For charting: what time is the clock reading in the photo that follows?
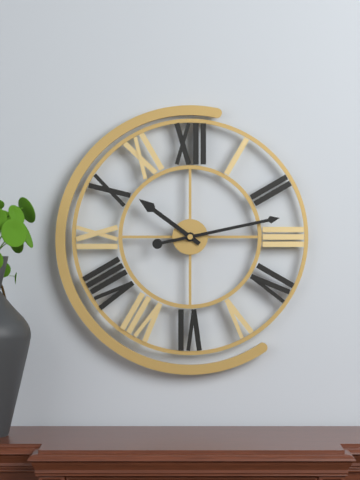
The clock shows 10:13
